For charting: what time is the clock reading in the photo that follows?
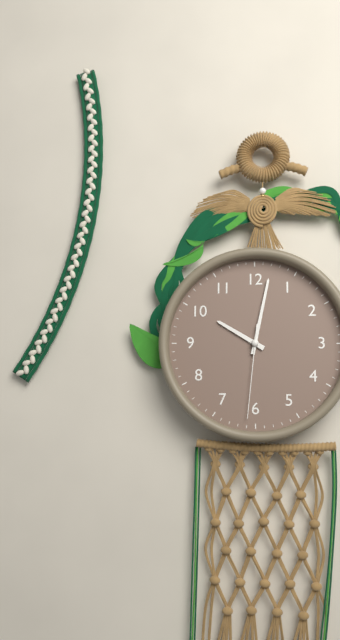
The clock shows 10:02:31
